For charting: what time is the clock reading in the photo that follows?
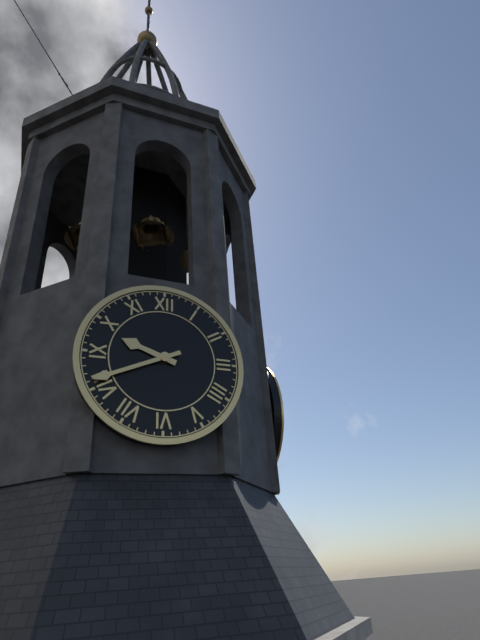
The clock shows 9:41
